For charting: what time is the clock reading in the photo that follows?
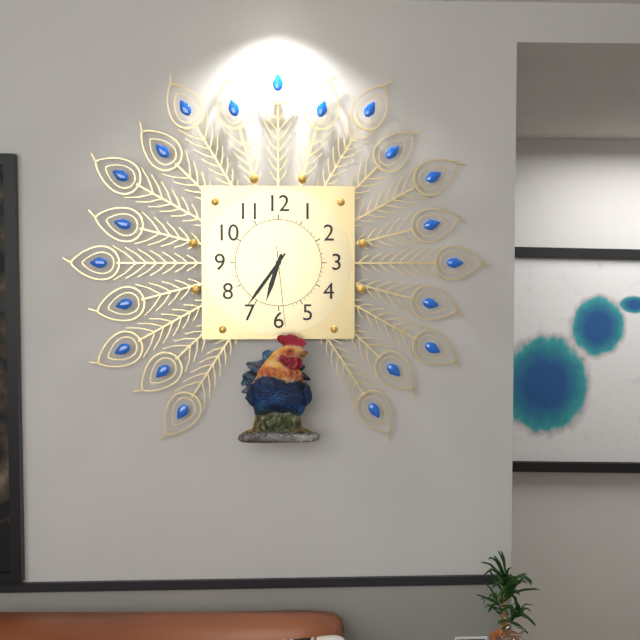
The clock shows 6:36:29
